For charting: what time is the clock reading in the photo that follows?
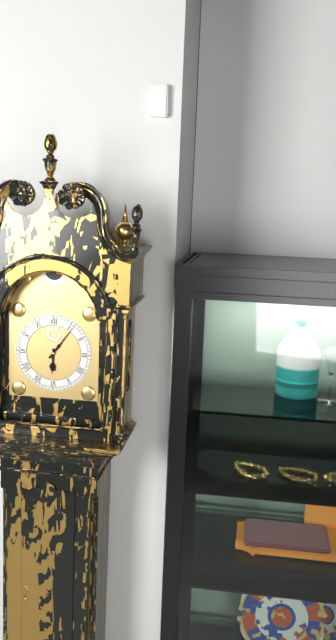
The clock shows 6:06
